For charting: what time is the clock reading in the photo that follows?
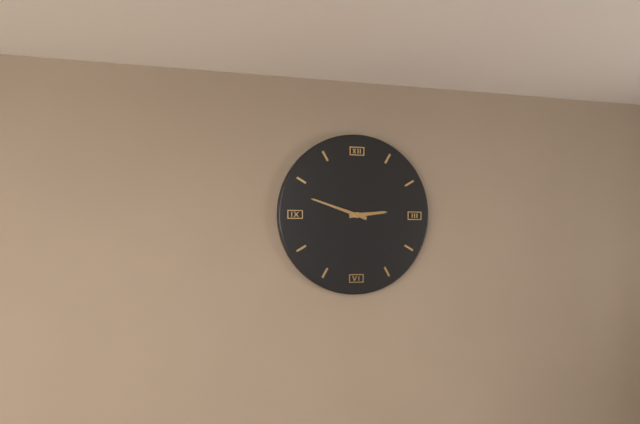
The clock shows 2:48
